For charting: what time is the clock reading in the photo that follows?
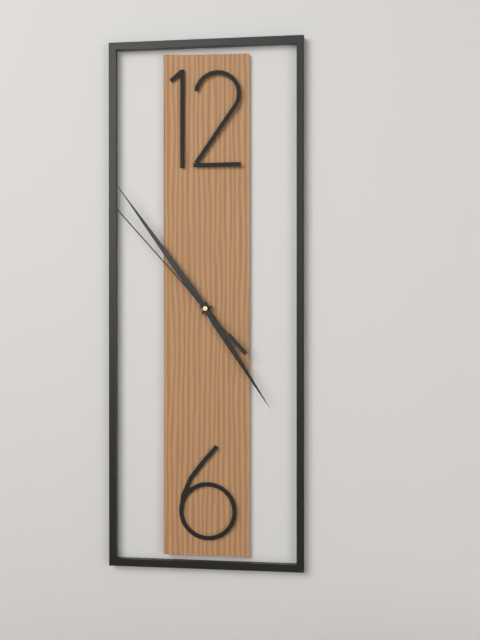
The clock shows 4:54:53
